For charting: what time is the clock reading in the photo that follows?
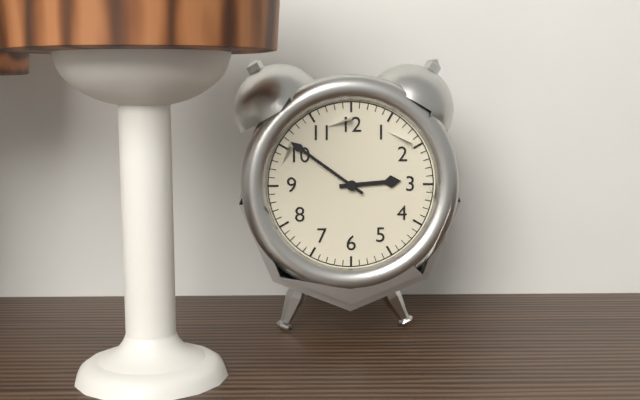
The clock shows 2:51
